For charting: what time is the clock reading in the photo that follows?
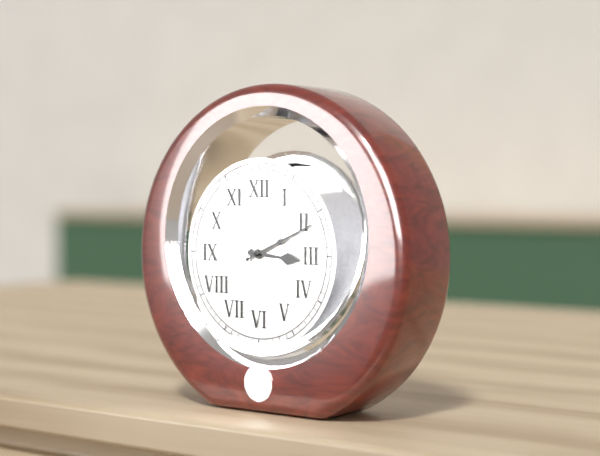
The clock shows 3:11
